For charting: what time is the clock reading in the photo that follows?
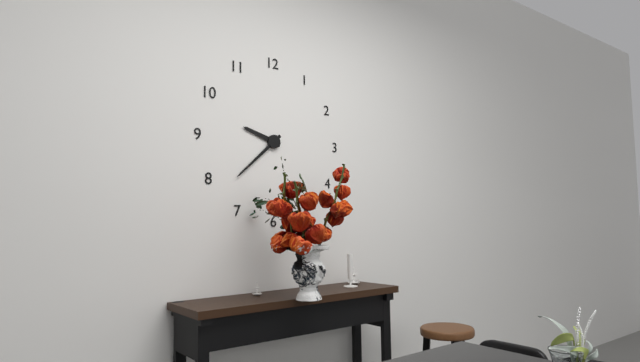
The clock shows 9:38
